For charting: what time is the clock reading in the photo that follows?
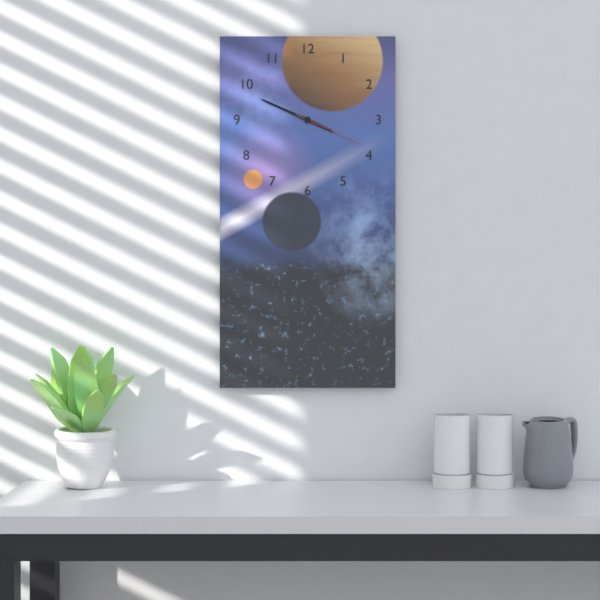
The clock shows 3:49:19
